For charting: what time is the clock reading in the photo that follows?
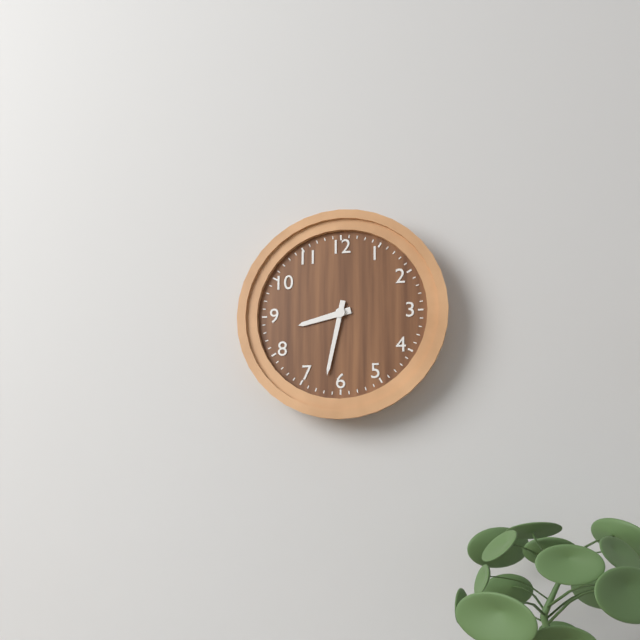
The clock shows 8:32
